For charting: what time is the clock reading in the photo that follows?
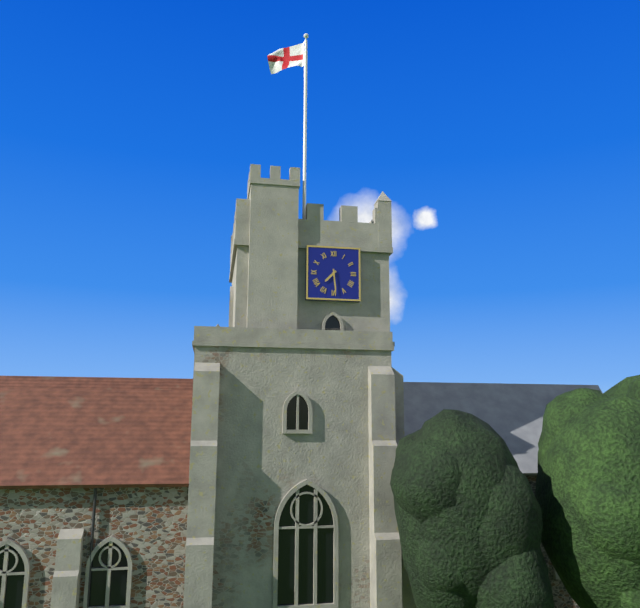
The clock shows 7:29
